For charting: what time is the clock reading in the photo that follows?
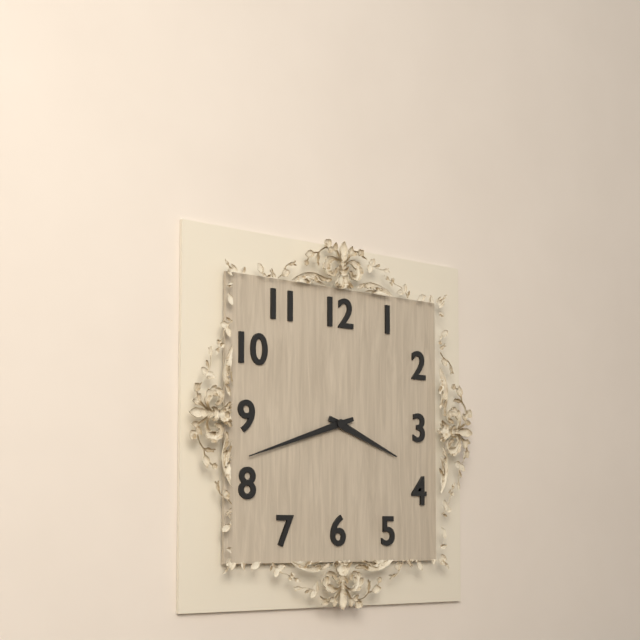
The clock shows 3:42
